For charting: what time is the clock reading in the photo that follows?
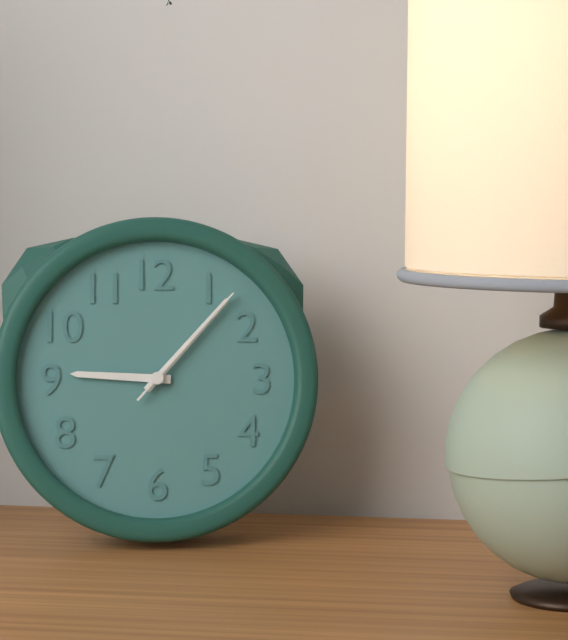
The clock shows 9:07:07
